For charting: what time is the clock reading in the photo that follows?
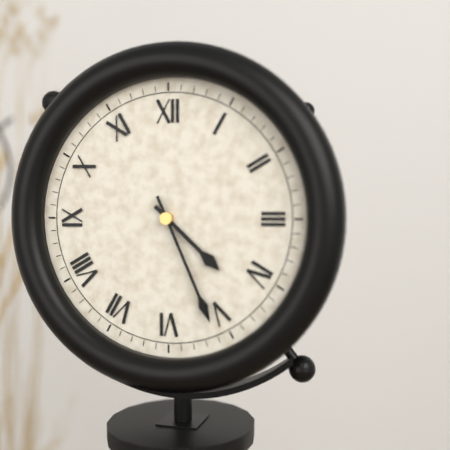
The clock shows 4:26
